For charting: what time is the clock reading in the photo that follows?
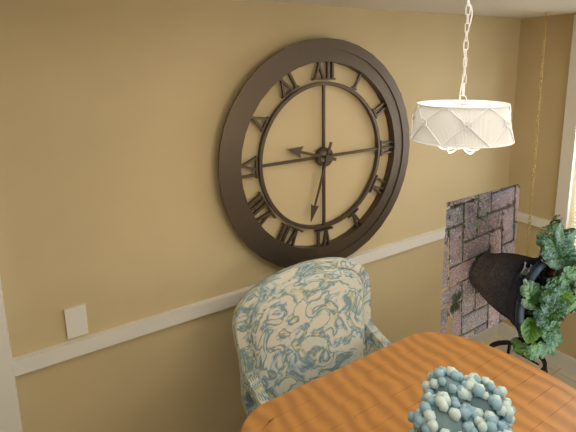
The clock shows 9:33
